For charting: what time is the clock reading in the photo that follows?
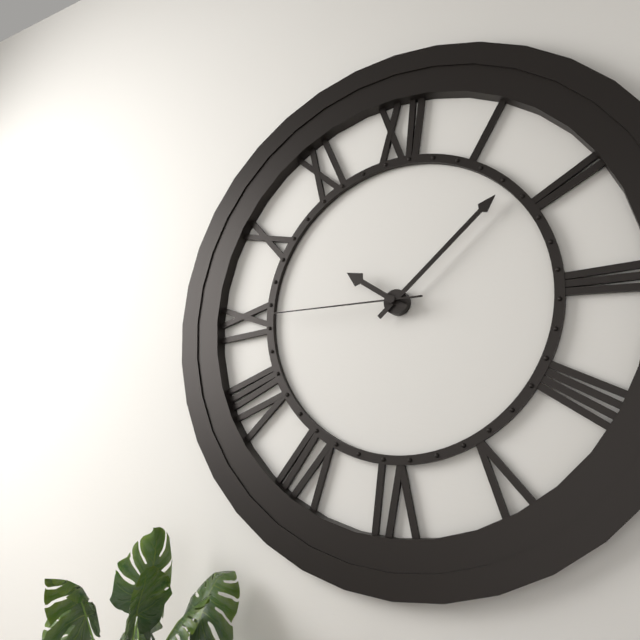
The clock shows 10:08:45
